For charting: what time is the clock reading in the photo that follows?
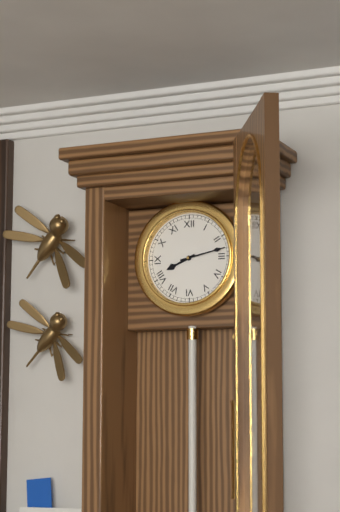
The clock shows 8:13
